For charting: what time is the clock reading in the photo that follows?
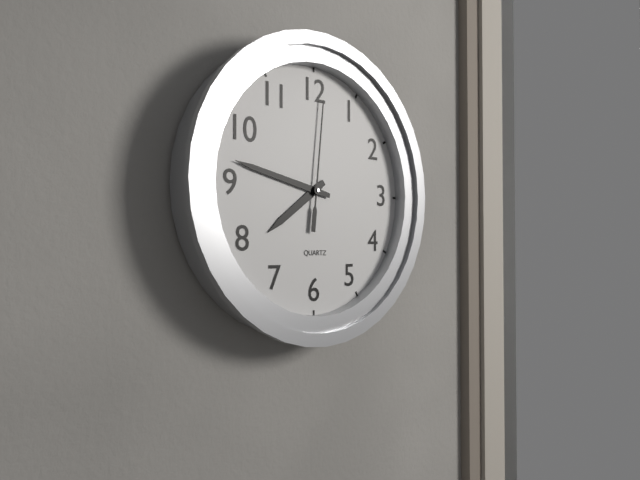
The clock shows 7:47:01
